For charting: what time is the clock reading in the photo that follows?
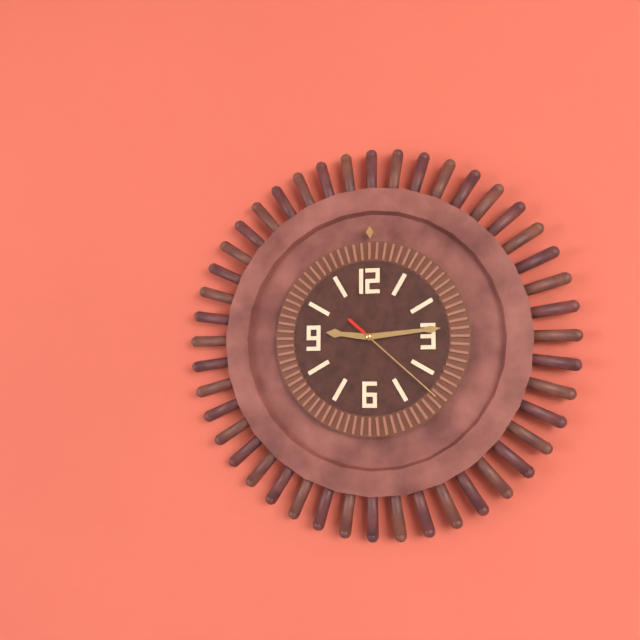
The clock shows 9:14:22
